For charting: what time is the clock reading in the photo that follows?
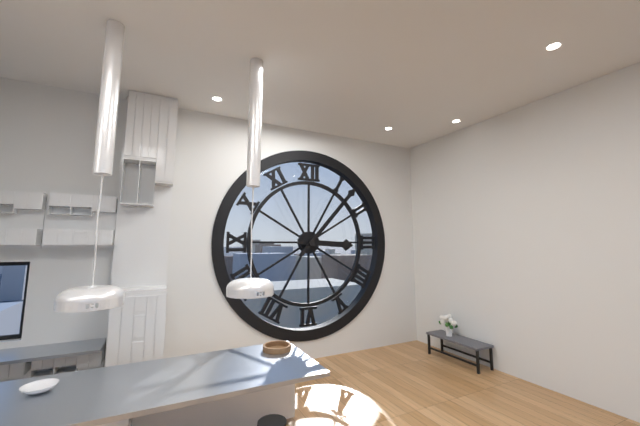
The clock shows 3:07
